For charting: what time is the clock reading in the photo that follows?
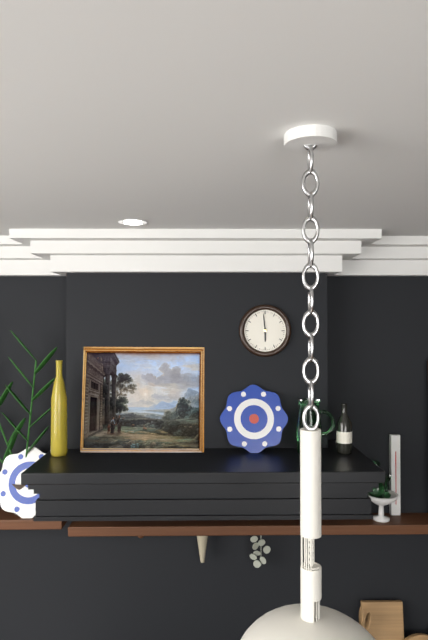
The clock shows 5:59
